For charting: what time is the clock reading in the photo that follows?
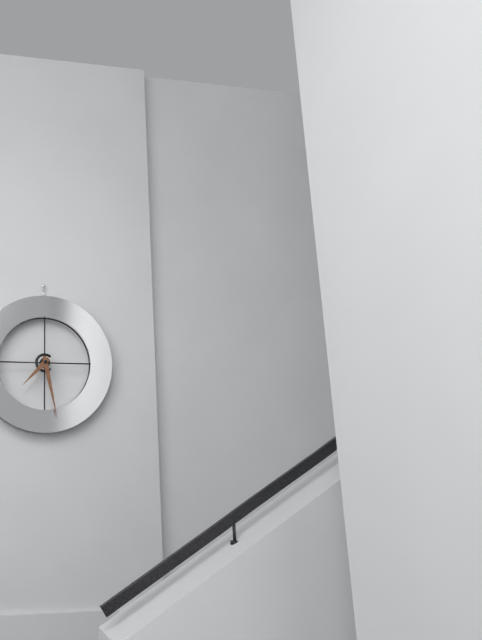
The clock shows 7:28
